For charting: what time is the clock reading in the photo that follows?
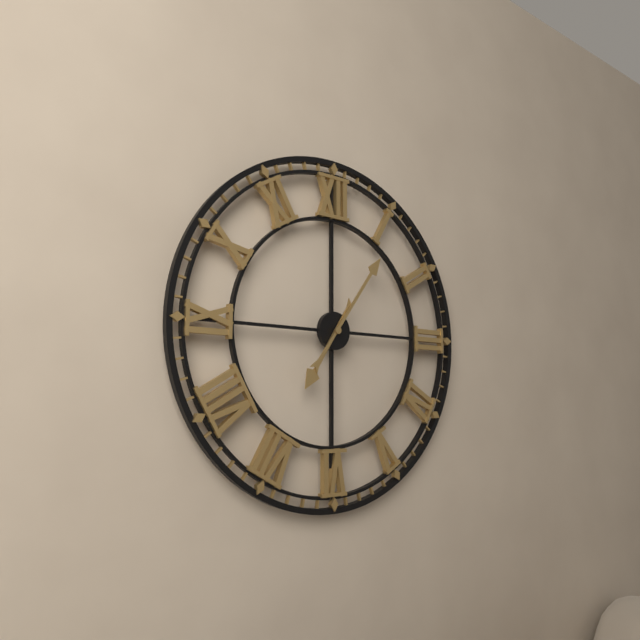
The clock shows 7:06
